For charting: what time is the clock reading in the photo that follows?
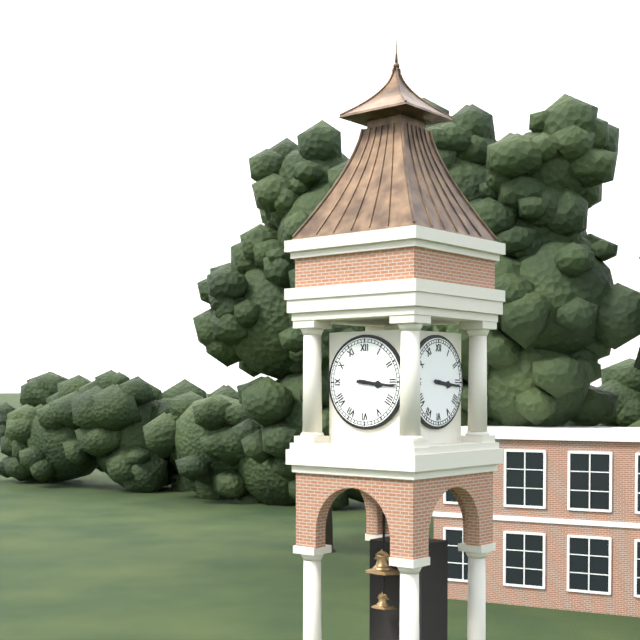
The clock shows 3:16
